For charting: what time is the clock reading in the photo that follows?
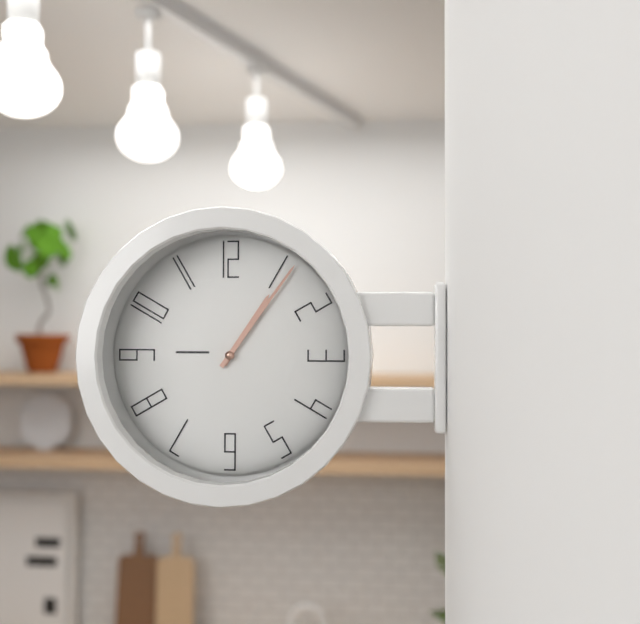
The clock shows 1:06
